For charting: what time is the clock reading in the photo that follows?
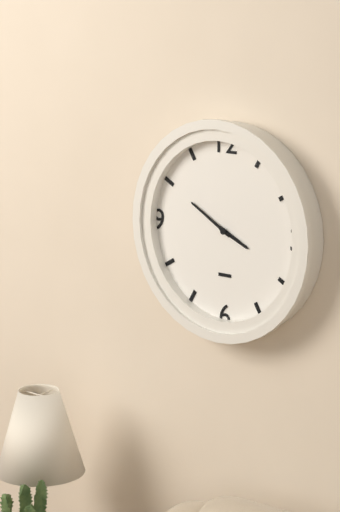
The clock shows 3:50
